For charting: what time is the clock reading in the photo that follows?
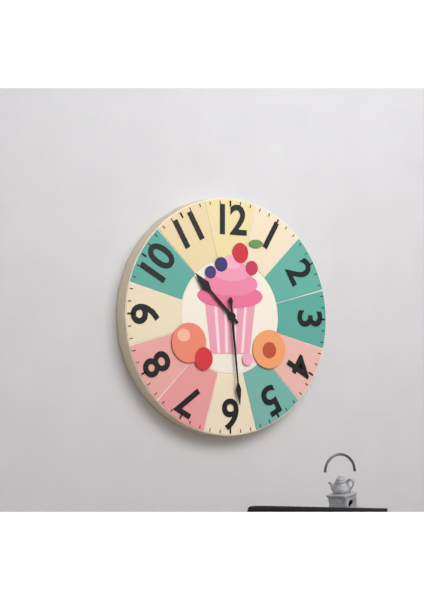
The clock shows 10:29
